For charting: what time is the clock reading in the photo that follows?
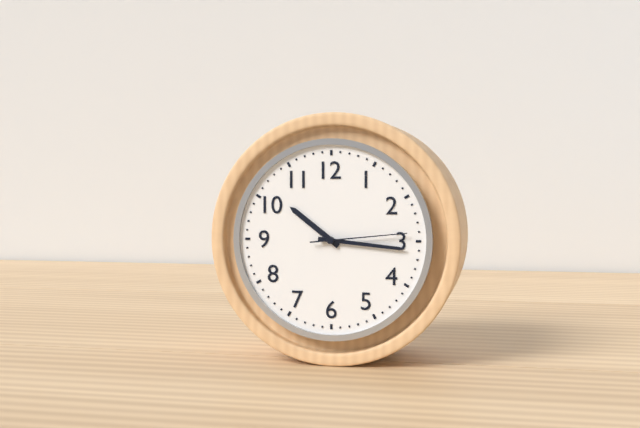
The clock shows 10:16:14
